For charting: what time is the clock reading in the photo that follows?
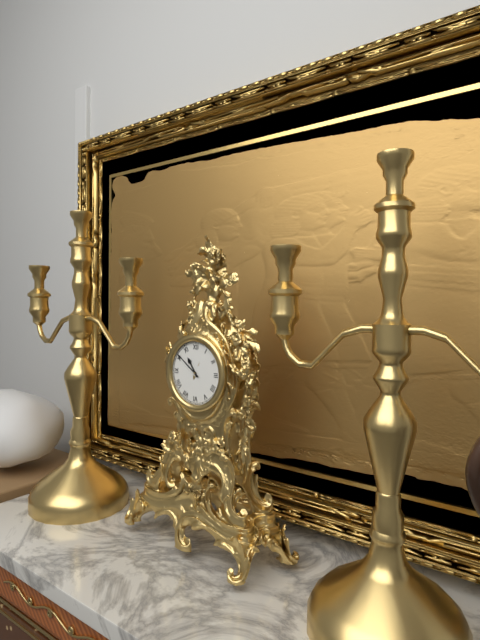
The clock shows 10:51
